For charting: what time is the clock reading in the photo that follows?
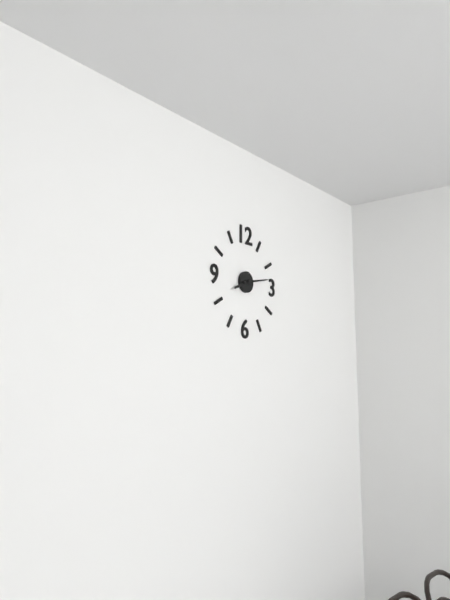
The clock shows 8:13
